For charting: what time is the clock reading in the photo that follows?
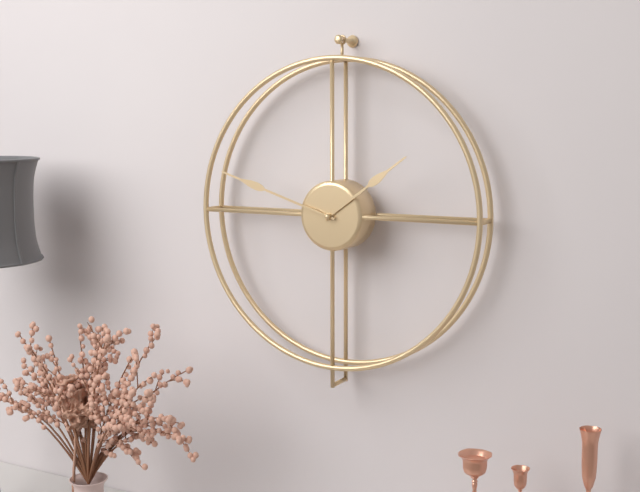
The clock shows 1:48
